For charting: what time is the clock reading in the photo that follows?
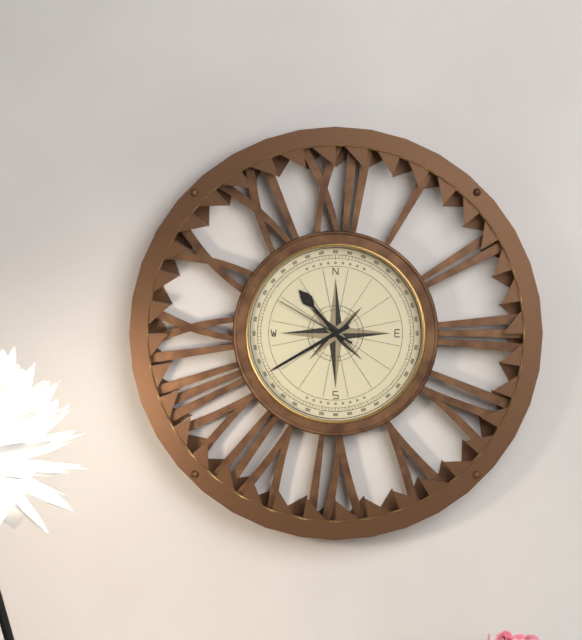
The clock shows 10:40:50
